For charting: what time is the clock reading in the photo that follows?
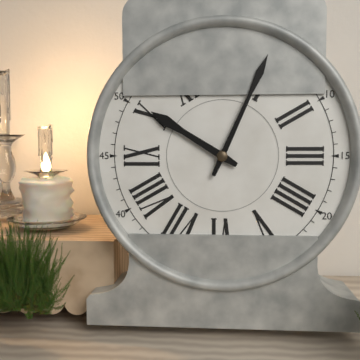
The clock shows 10:04
